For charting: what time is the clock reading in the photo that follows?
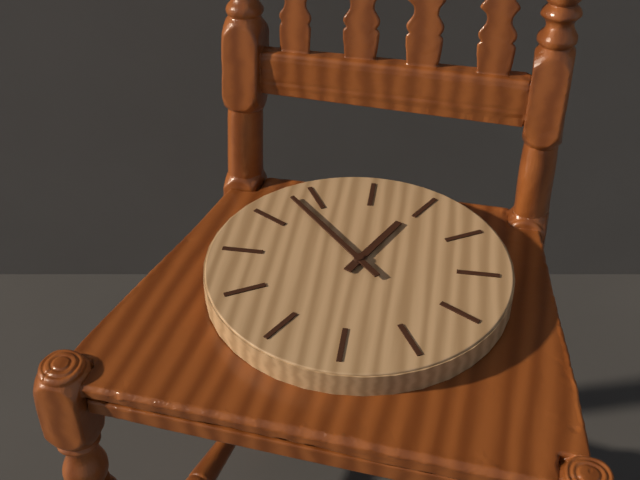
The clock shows 12:53
